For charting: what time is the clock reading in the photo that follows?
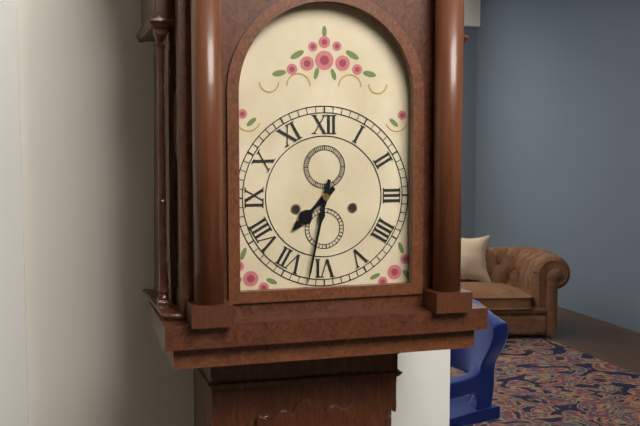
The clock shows 7:32
